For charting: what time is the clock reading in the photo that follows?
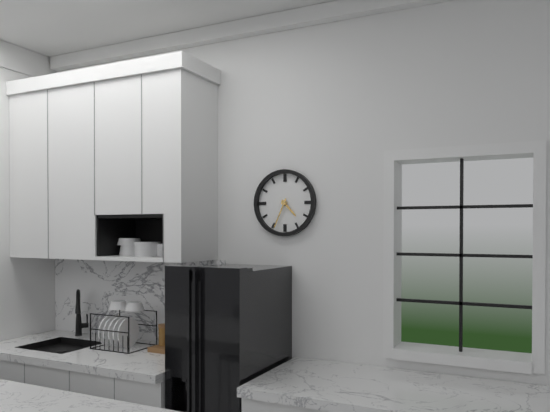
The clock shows 4:34
